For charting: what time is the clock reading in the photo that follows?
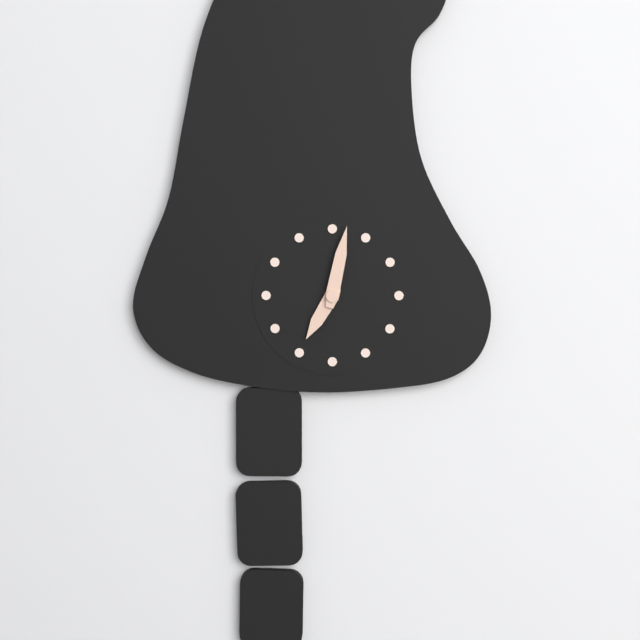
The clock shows 7:02
